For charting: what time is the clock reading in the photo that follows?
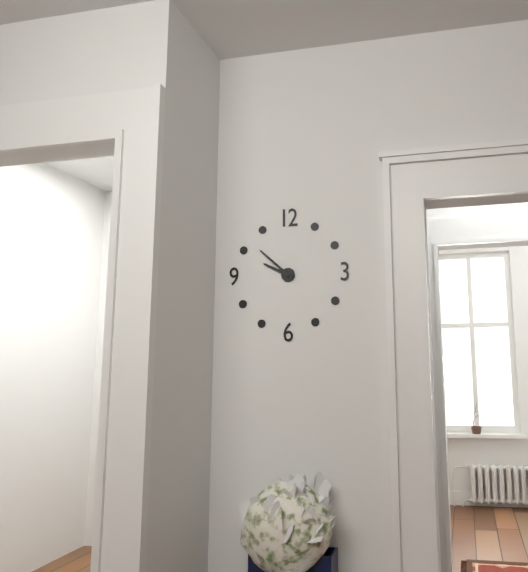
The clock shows 9:52
